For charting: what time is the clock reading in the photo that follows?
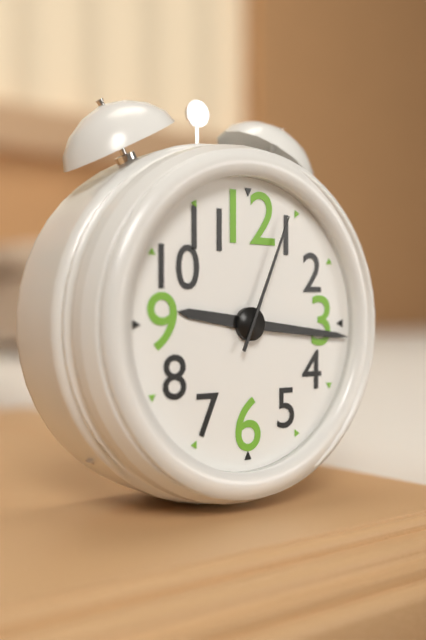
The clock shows 9:16:04
